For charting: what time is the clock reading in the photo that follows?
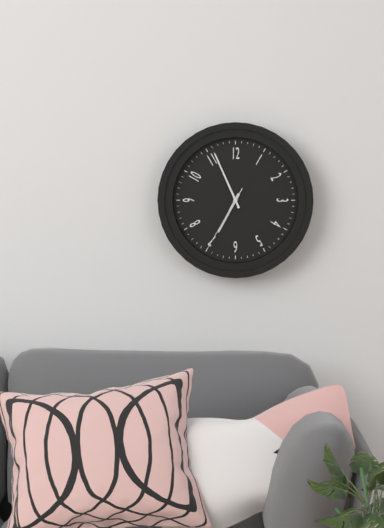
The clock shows 6:56:35
